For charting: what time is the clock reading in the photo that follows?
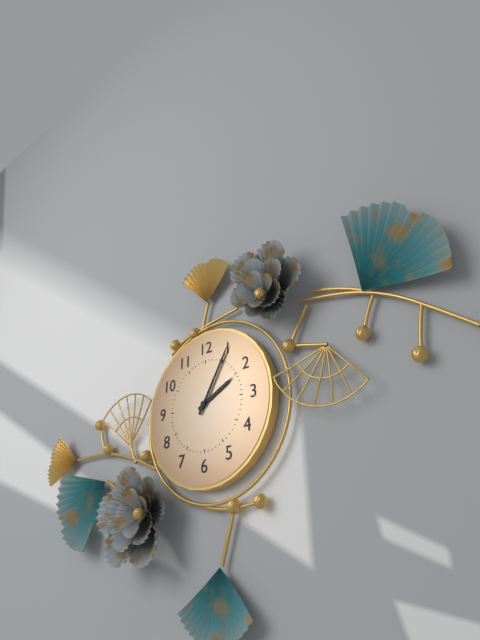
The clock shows 2:05
